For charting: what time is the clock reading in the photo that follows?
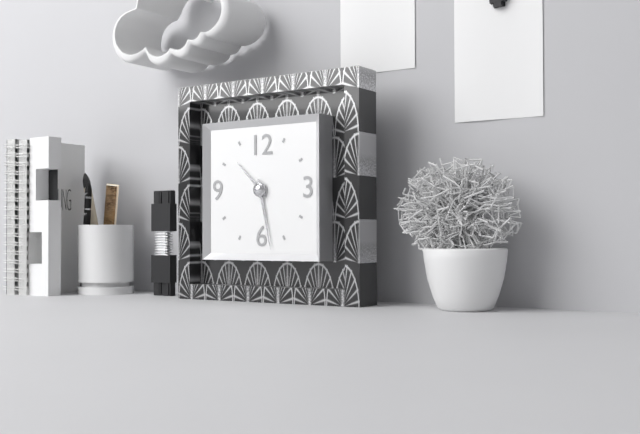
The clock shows 10:28
